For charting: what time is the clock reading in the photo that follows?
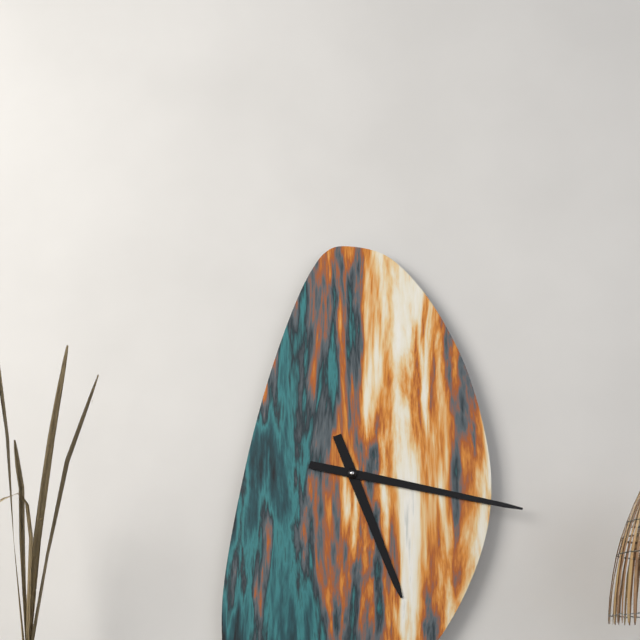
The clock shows 5:17
